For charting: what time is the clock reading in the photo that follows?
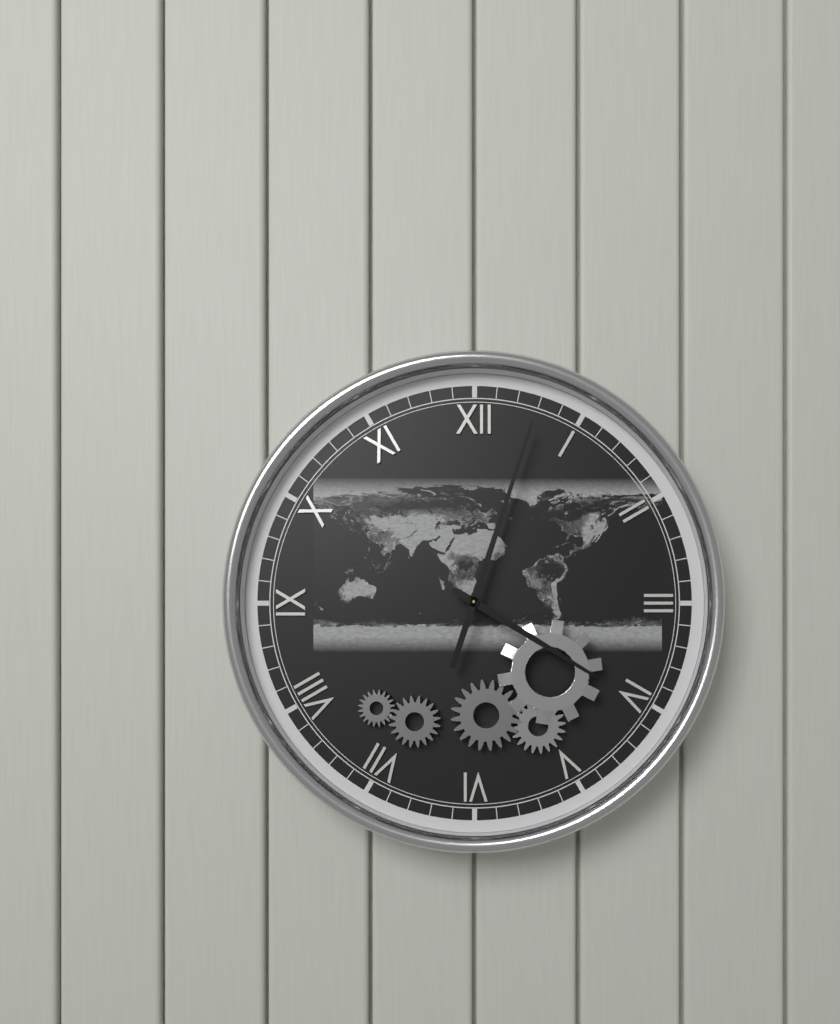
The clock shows 4:03
